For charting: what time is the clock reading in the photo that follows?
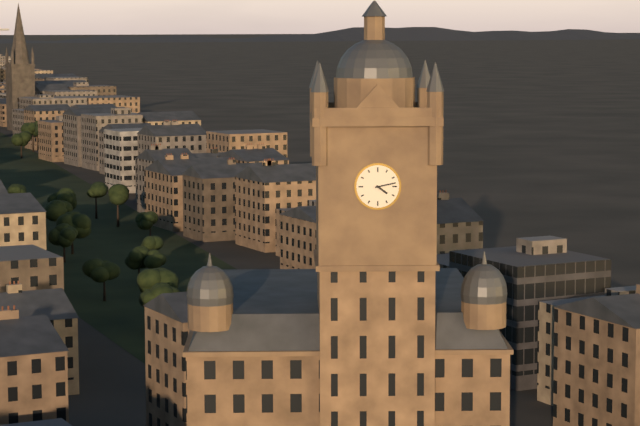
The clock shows 4:13
